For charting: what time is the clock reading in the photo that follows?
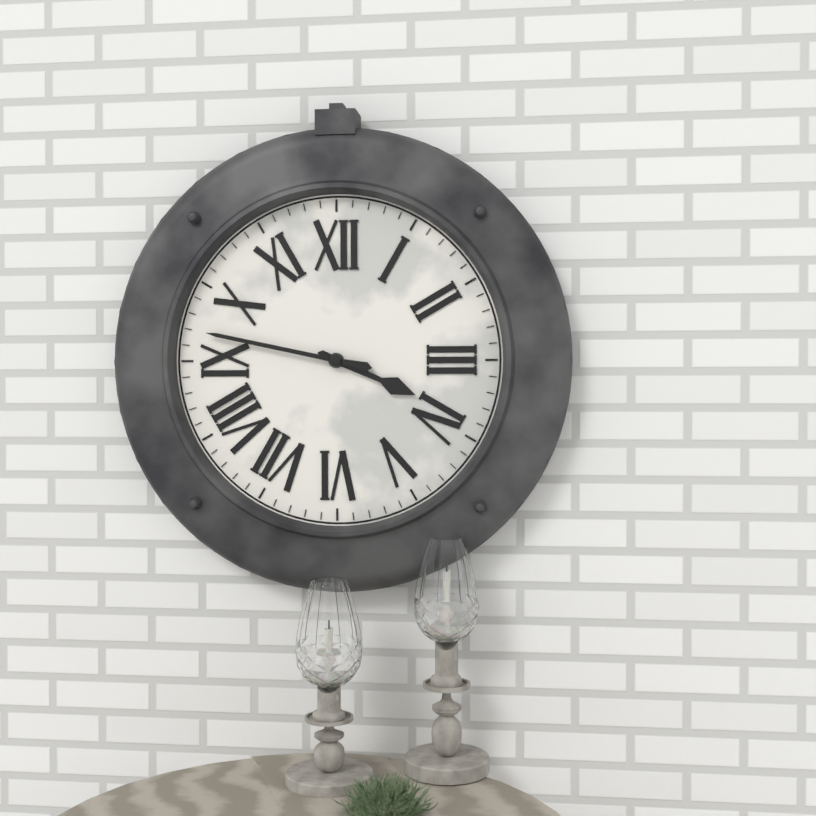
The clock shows 3:47
